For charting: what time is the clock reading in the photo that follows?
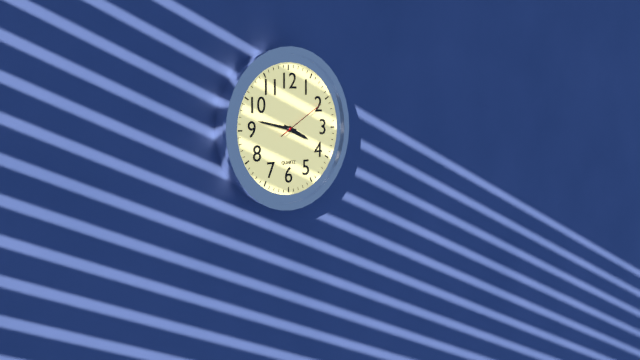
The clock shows 3:47:10
